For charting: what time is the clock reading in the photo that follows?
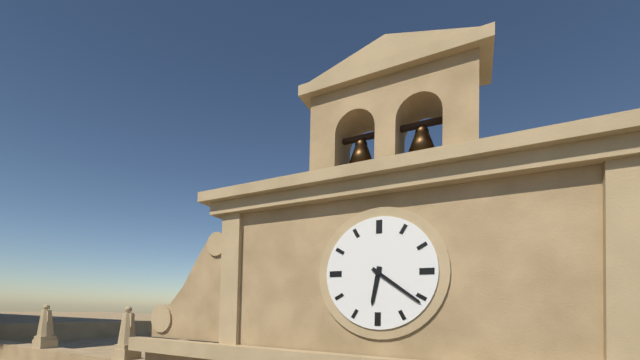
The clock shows 6:21
